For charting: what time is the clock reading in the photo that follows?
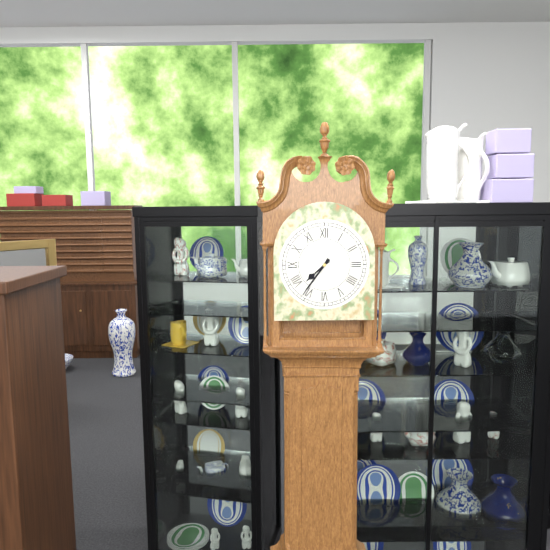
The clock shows 7:36
